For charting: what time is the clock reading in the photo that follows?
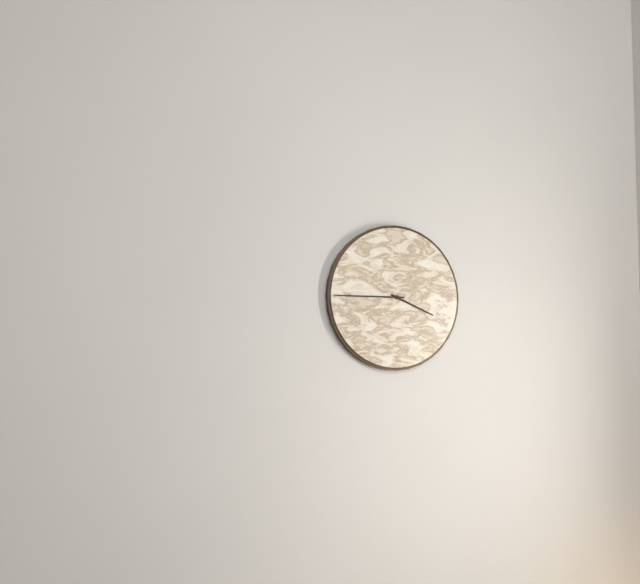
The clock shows 3:45
